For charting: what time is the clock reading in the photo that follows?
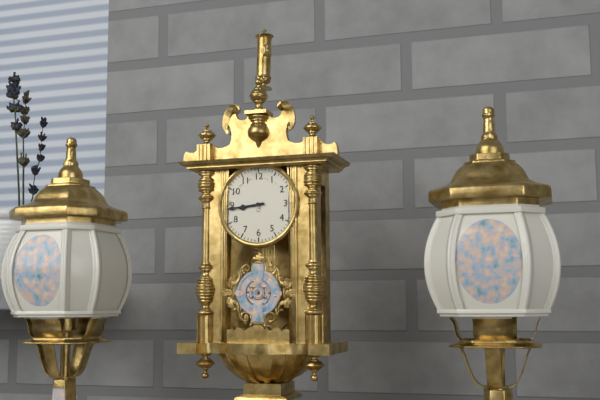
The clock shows 8:44
